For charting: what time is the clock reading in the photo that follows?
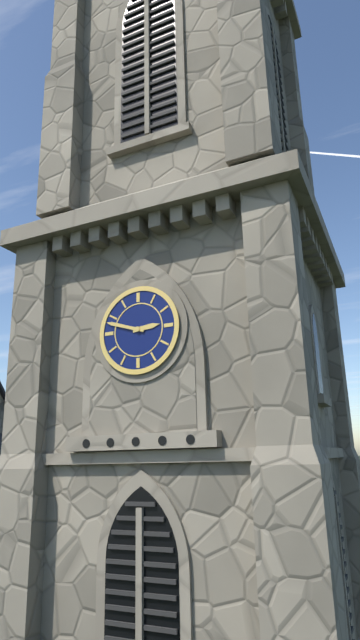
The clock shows 2:48
